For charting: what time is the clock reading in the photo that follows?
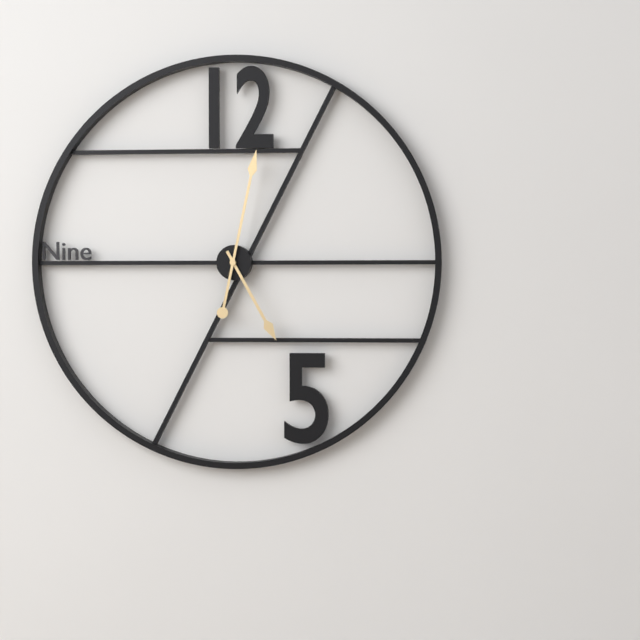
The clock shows 5:02
